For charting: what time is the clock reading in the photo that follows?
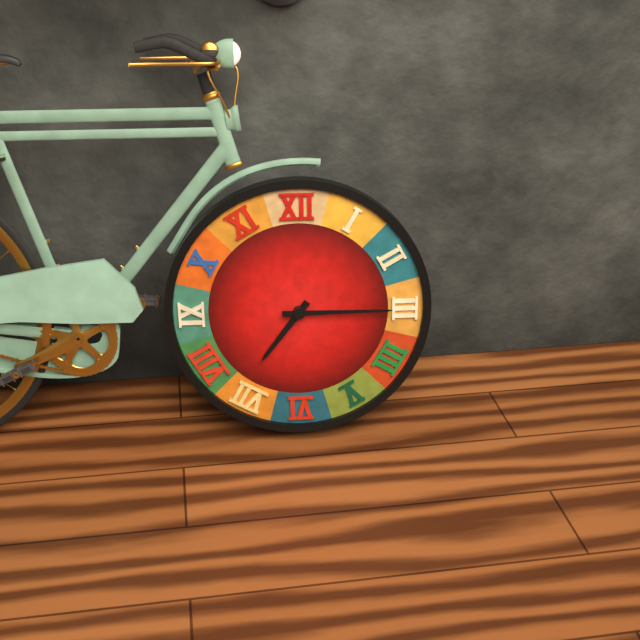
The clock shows 7:15
